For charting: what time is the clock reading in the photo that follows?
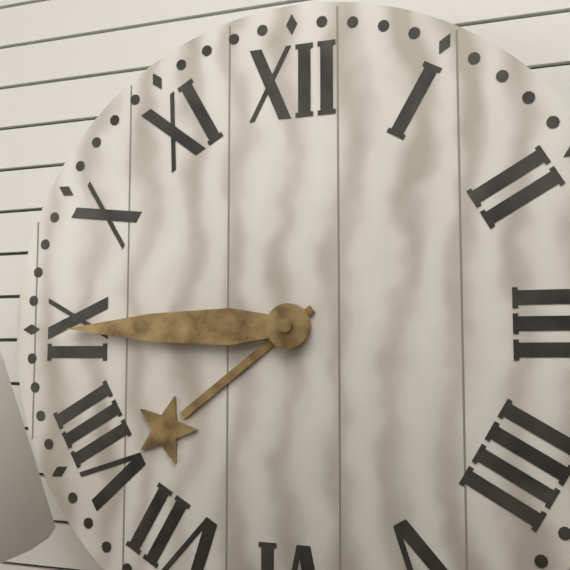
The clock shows 7:45
